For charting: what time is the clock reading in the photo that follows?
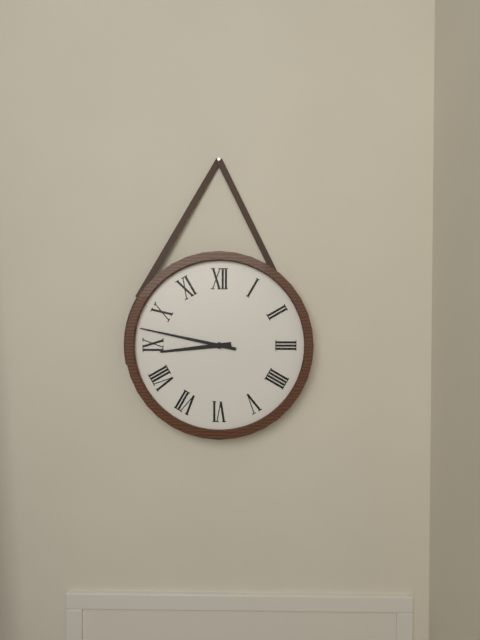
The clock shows 8:47
